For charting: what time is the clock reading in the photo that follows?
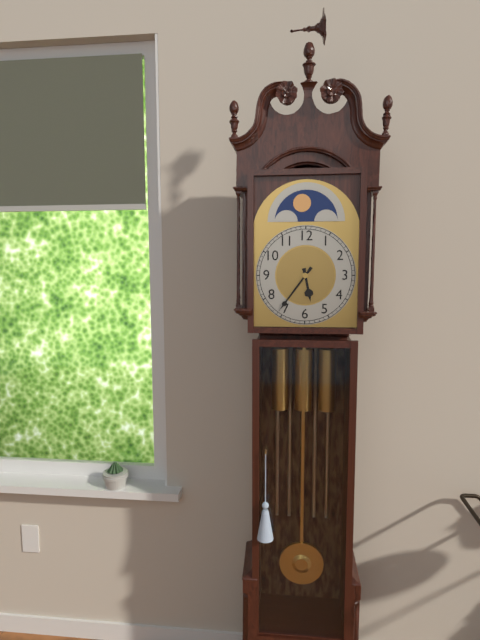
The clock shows 5:36
